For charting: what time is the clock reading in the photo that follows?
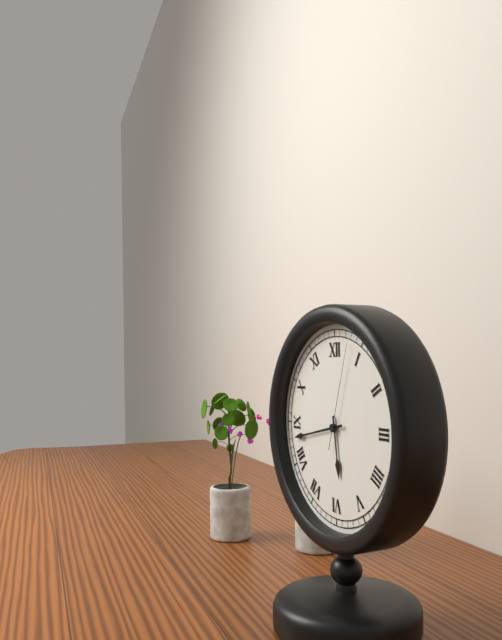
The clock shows 5:43:03
